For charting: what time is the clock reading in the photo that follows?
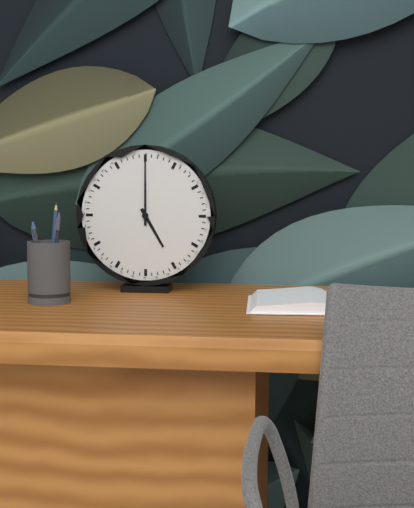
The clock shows 5:00
